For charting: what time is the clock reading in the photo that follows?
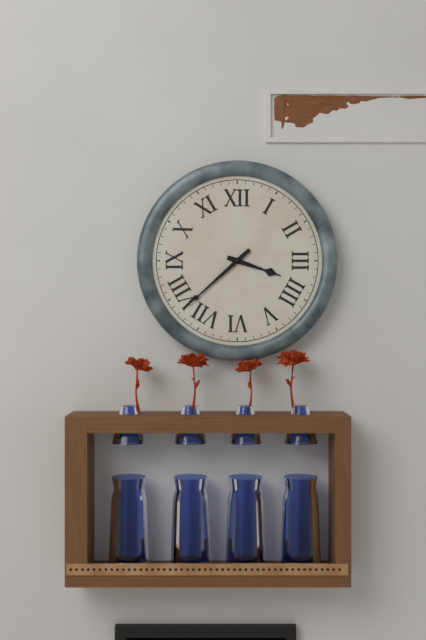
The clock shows 3:38
